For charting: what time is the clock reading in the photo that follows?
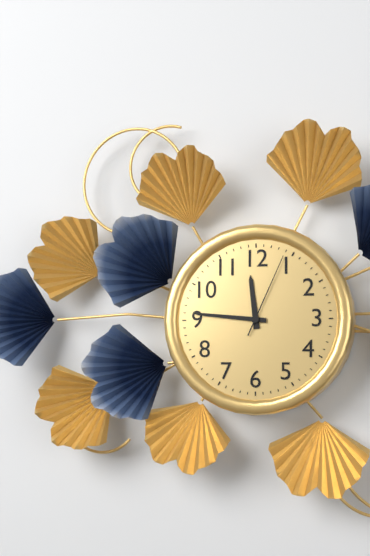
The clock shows 11:46:04
